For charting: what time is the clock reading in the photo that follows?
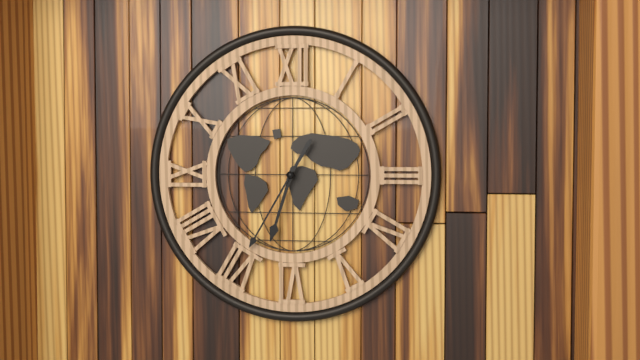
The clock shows 6:35
